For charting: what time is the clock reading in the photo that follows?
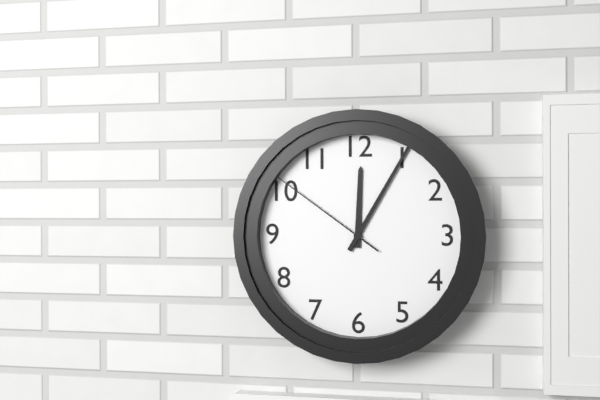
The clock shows 12:05:51
